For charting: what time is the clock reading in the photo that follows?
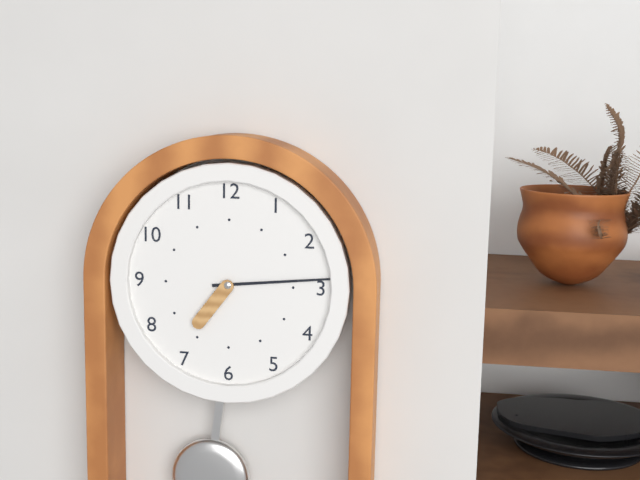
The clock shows 7:14
